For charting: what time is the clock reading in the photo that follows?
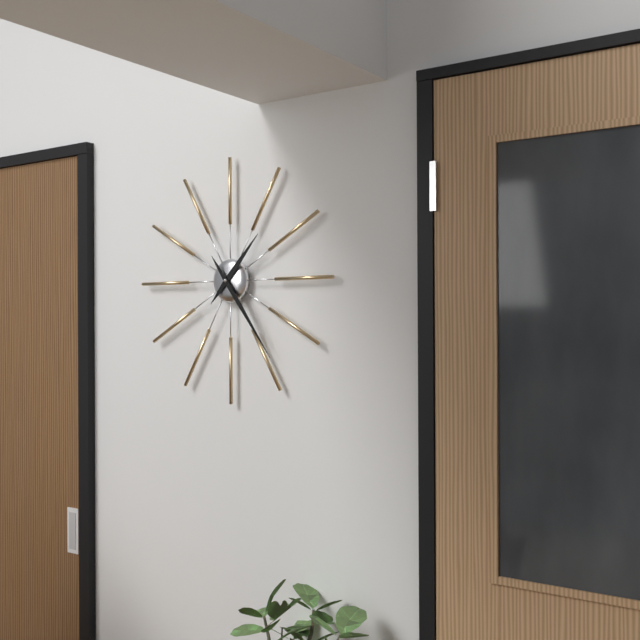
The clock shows 1:24
